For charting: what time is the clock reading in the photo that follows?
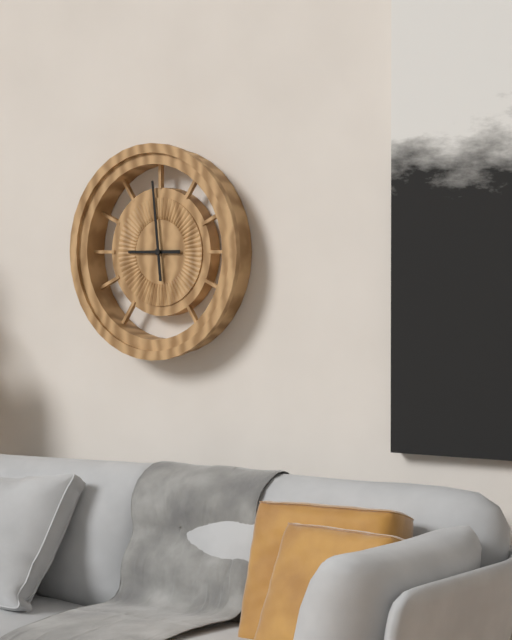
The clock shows 8:59
